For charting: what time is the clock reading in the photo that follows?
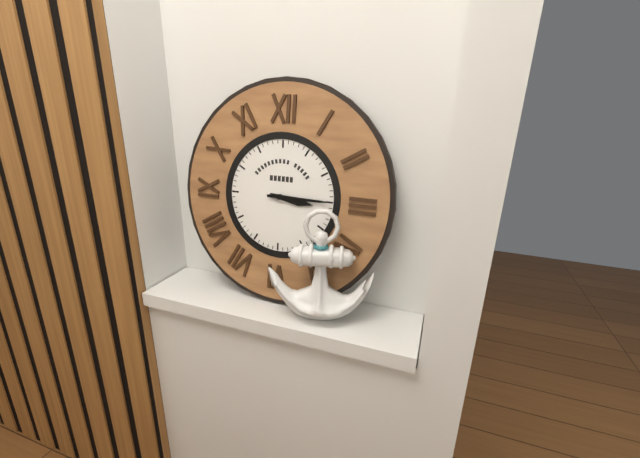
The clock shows 3:15
